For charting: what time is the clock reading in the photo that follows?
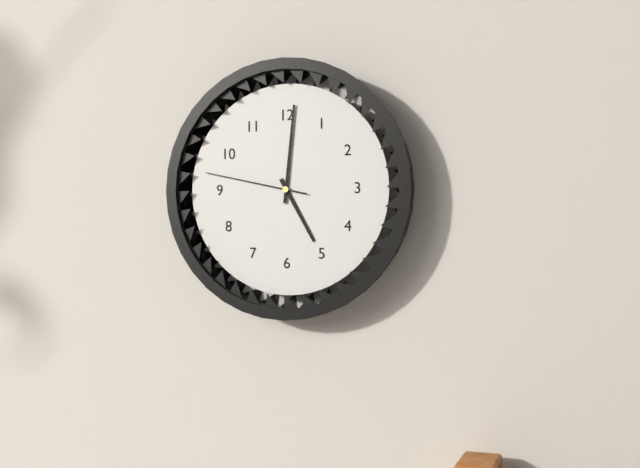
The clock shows 5:01:47
